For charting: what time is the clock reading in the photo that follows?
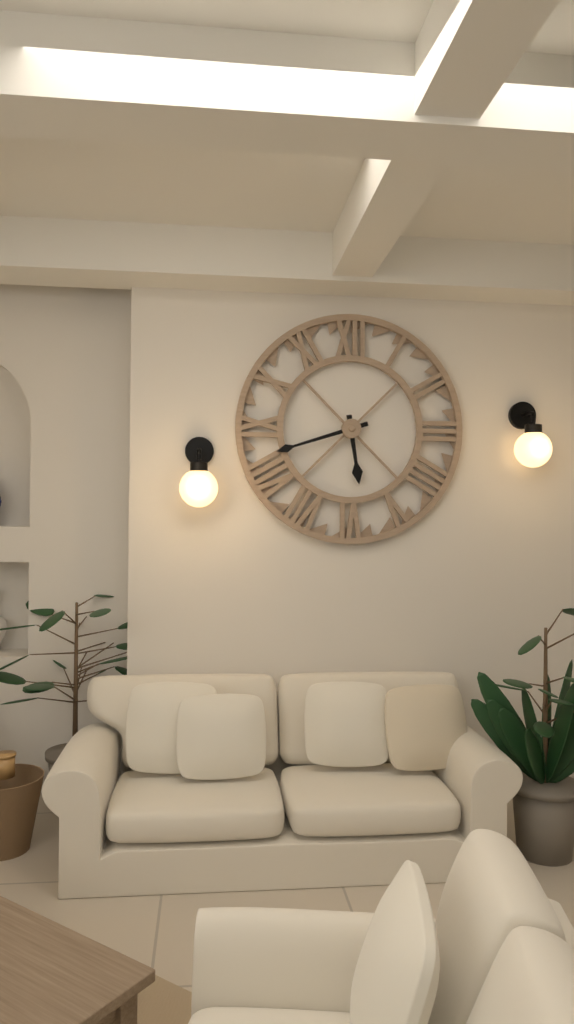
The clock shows 5:42
